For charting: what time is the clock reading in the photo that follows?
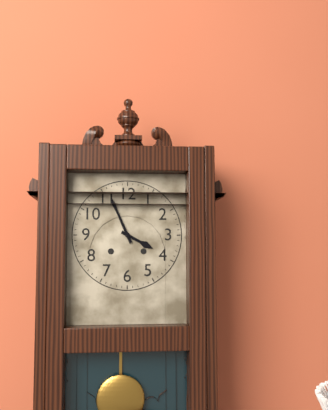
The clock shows 3:56
